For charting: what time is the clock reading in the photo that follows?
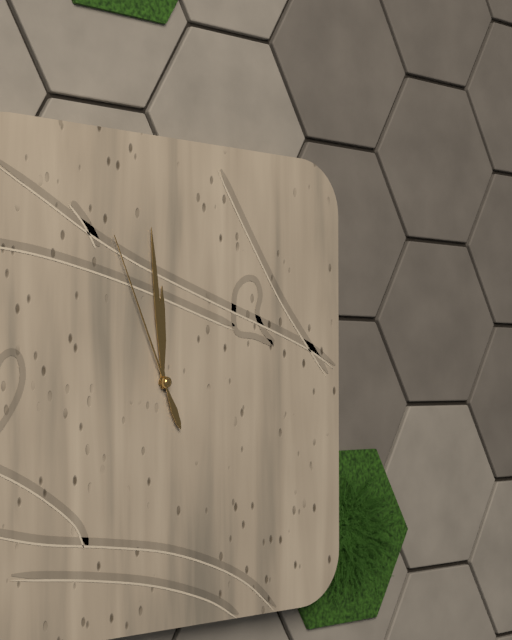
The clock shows 11:59:56
